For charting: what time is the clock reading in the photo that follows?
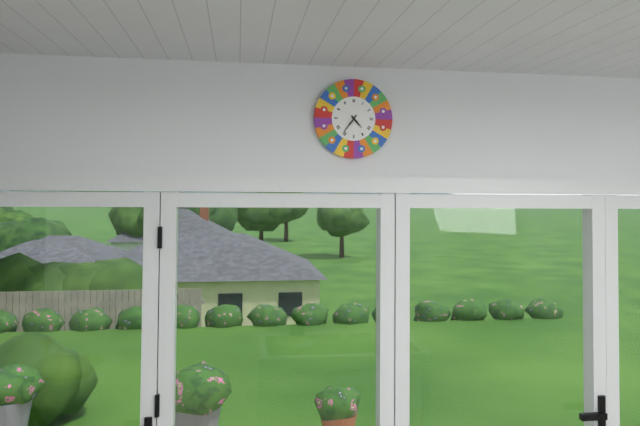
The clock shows 4:36
